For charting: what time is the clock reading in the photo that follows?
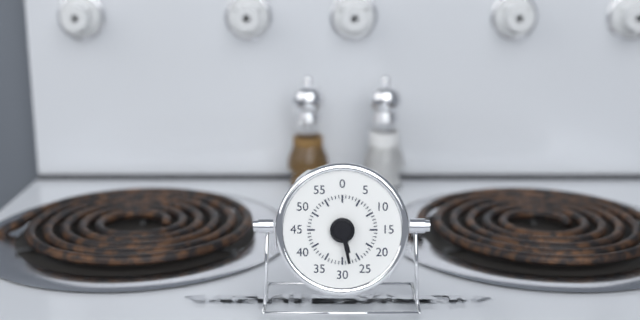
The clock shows 5:28
